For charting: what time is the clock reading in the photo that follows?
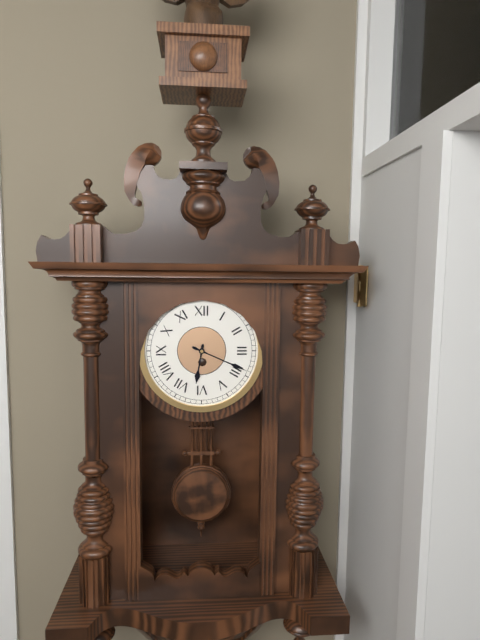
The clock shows 6:19
